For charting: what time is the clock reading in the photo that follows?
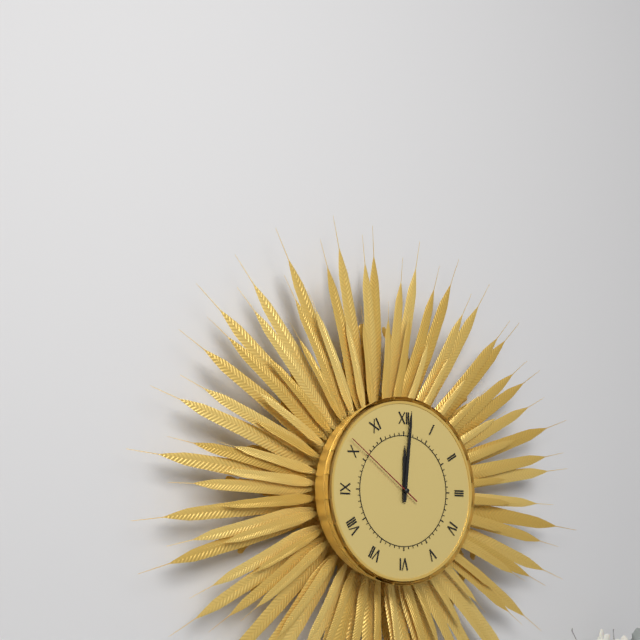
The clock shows 12:01:51
